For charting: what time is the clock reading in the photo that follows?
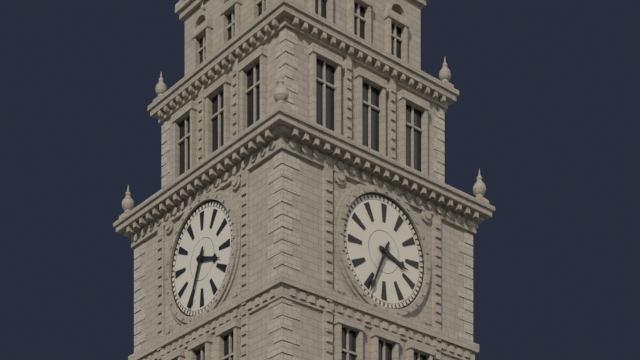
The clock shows 3:34
